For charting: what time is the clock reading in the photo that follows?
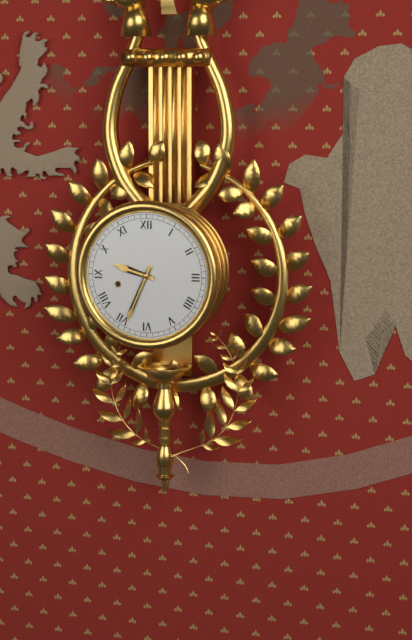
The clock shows 9:34
